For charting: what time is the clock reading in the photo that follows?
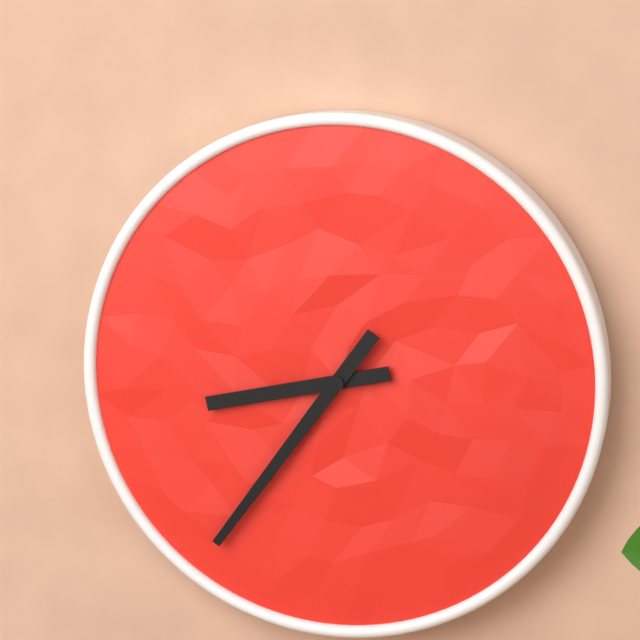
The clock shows 8:36
